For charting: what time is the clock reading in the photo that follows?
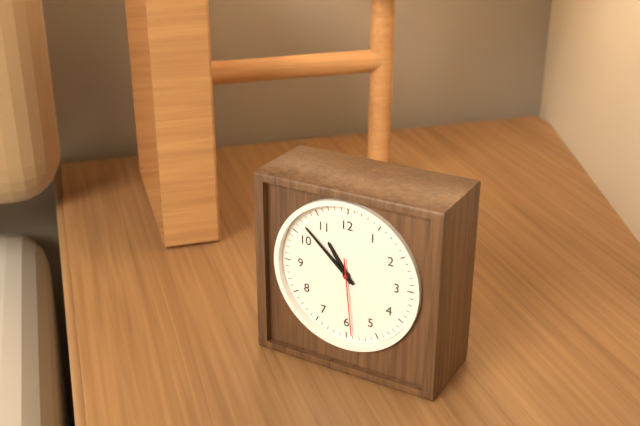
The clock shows 10:52:29
